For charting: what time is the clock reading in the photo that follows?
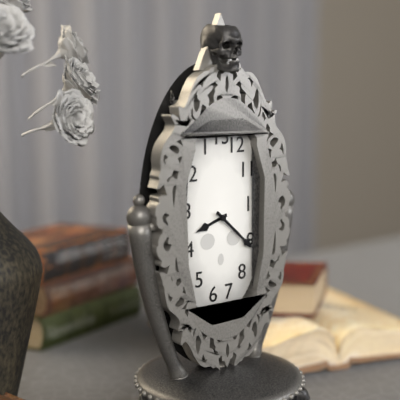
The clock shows 8:22
